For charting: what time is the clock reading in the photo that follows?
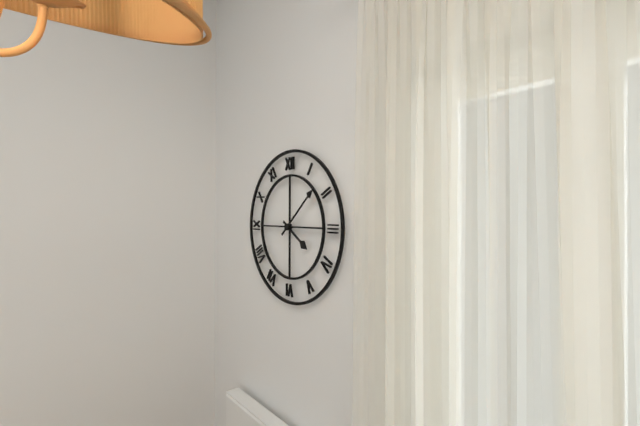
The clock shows 4:08
